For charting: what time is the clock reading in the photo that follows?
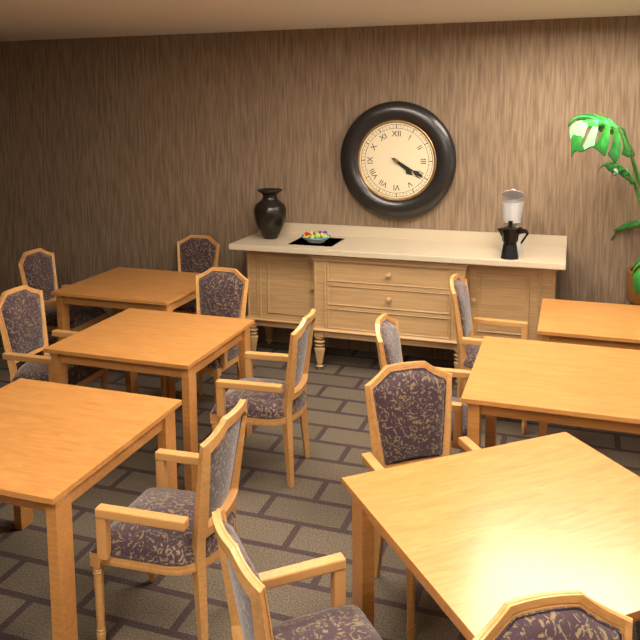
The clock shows 4:20
